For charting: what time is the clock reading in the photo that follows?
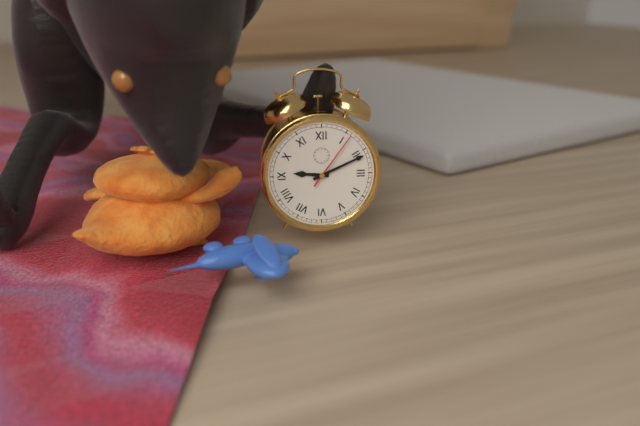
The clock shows 9:11:06
